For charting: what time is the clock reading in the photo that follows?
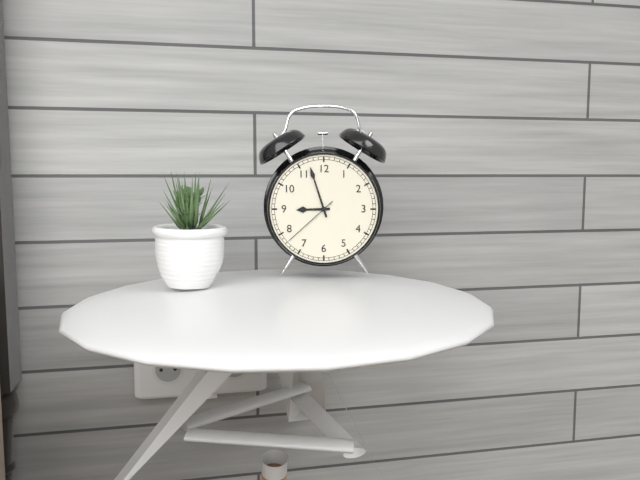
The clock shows 8:57:38
